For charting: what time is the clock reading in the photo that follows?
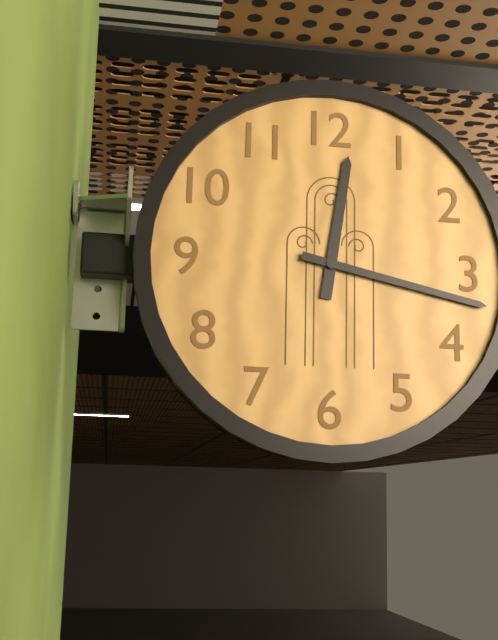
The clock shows 12:17
